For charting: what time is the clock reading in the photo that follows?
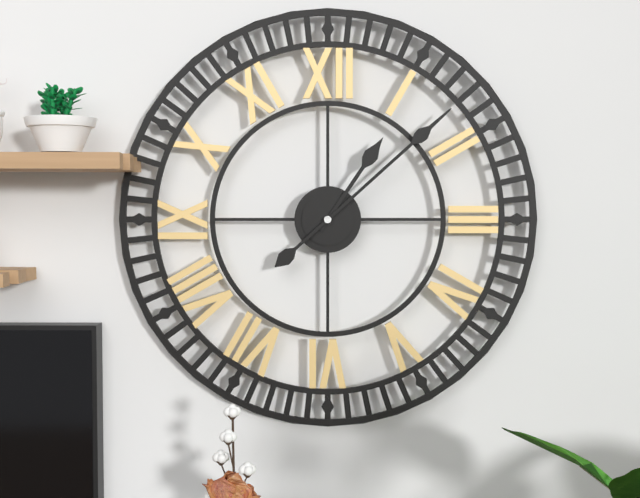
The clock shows 1:08
